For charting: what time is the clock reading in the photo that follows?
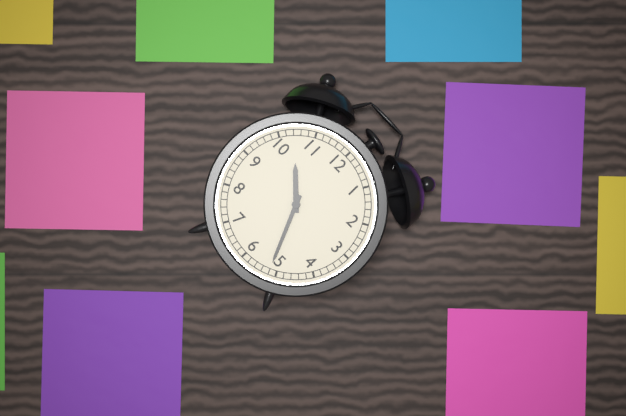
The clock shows 10:26
